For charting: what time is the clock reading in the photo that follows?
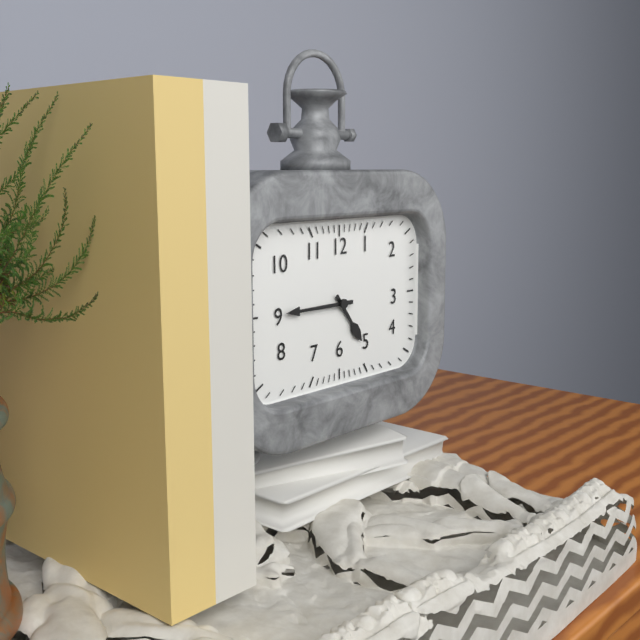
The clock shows 4:45
